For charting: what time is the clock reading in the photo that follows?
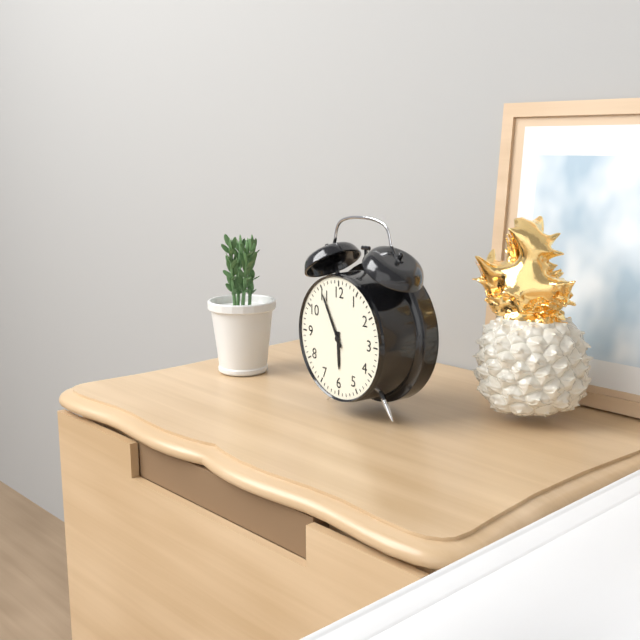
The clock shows 5:55
